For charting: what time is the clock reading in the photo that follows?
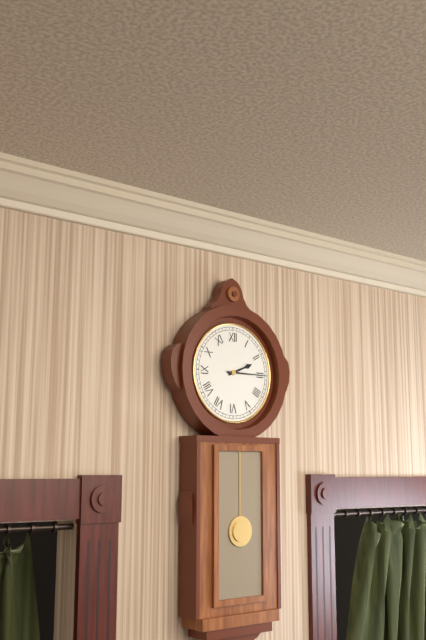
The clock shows 2:15
